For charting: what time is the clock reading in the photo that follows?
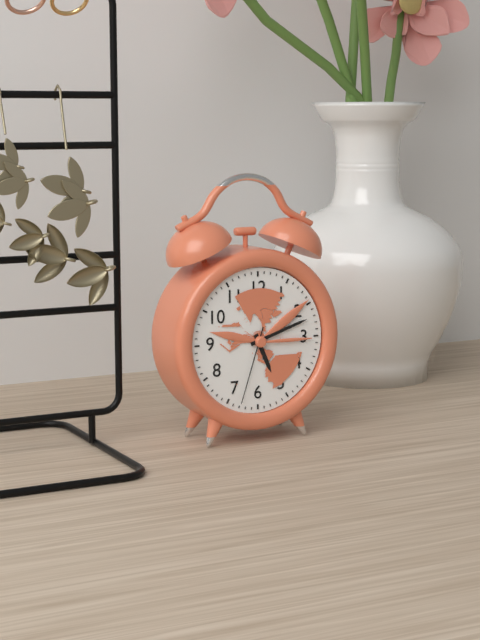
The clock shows 5:12:33
